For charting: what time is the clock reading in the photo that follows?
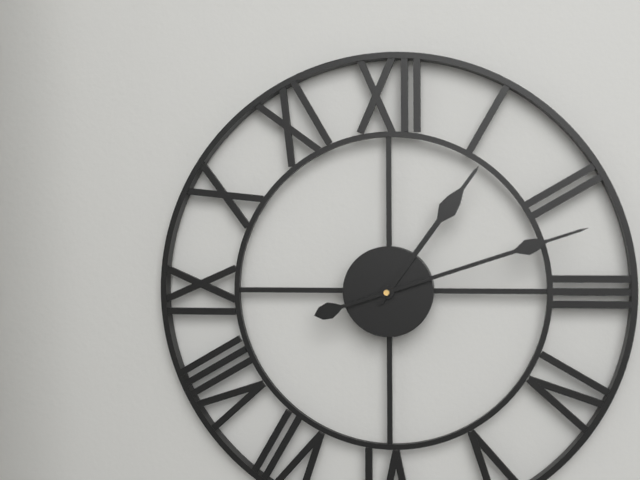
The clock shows 1:12
